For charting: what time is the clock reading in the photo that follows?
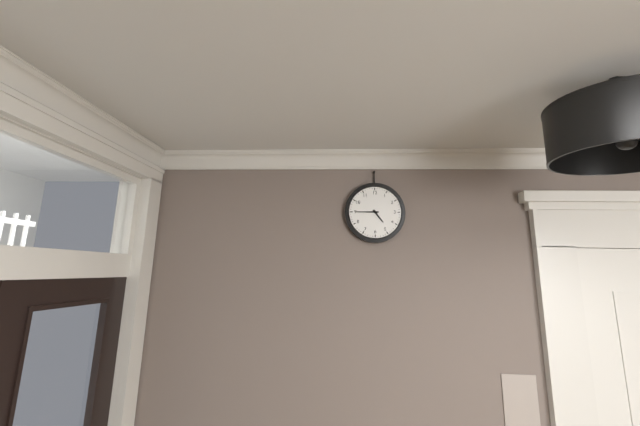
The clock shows 4:45
